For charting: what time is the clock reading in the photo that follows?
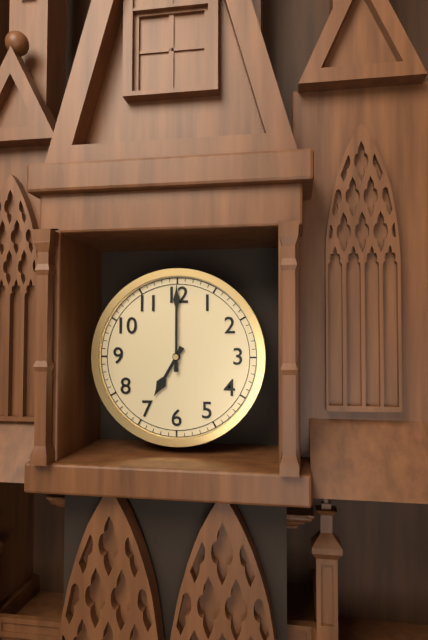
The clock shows 7:00
